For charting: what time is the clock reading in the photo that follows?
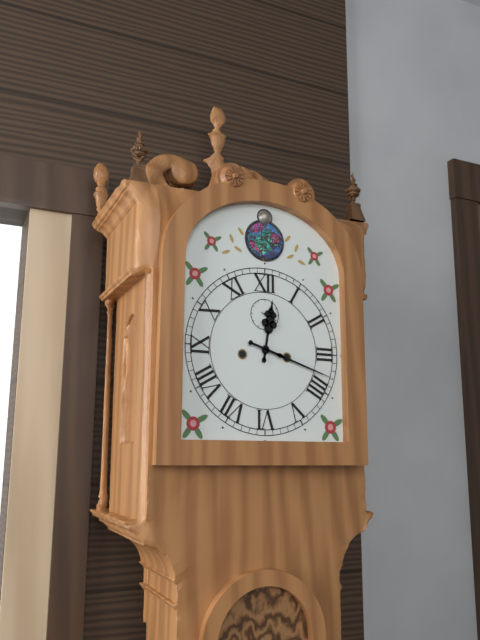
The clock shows 12:18
